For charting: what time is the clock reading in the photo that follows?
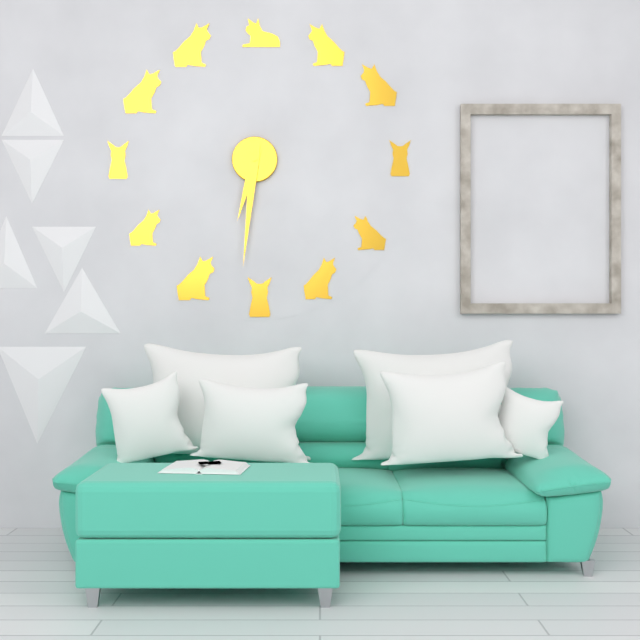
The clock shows 6:31
